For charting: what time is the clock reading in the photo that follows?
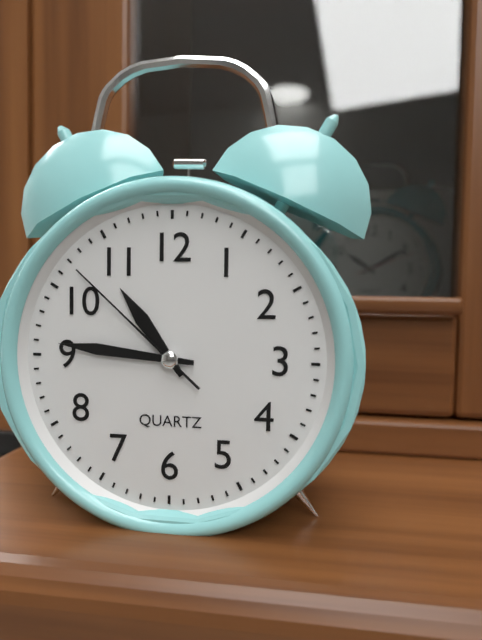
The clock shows 10:46:52
